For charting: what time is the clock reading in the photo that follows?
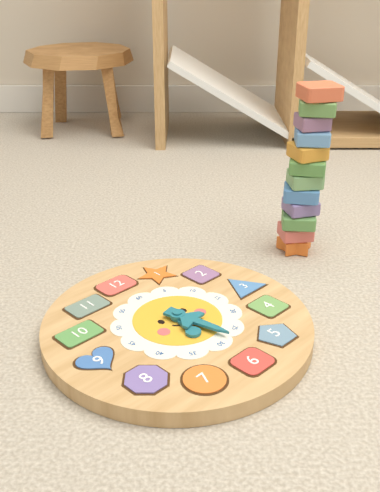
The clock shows 6:28
